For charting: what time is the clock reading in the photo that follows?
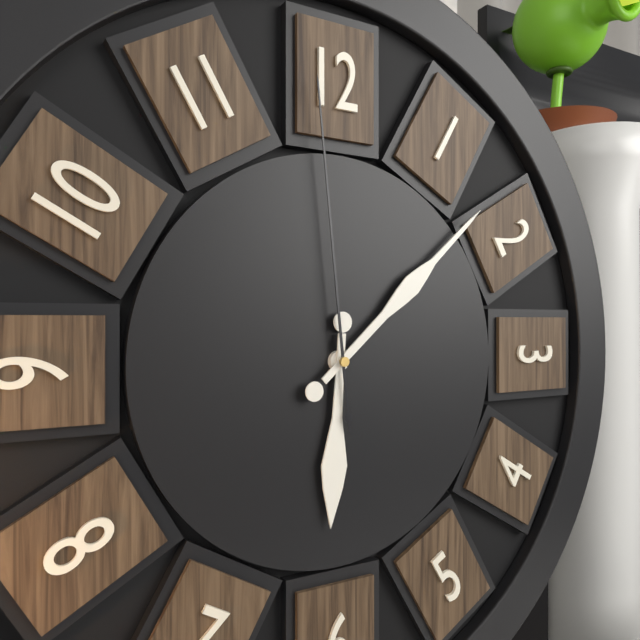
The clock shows 6:08:59
